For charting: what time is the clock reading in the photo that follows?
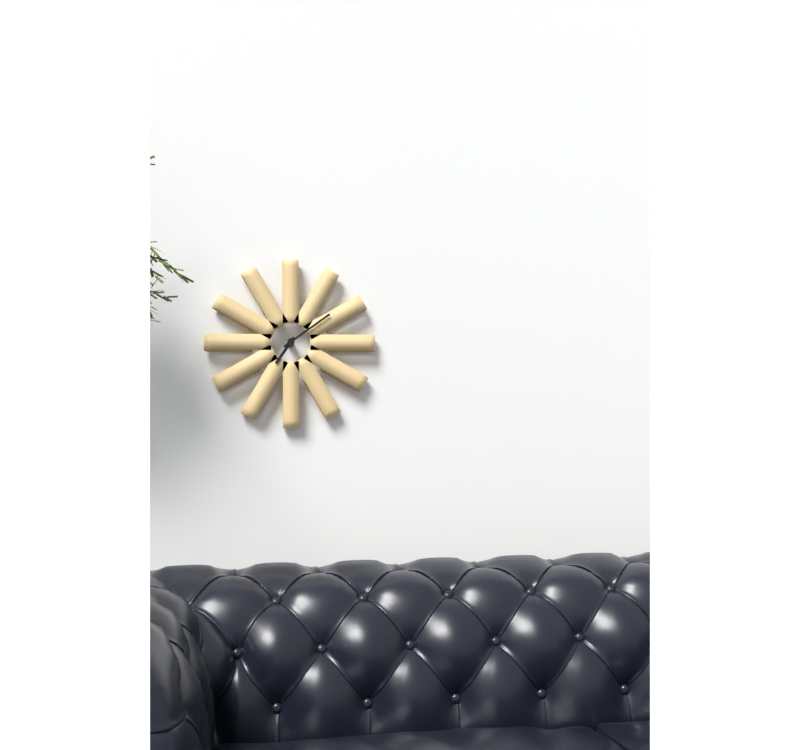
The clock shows 7:09
